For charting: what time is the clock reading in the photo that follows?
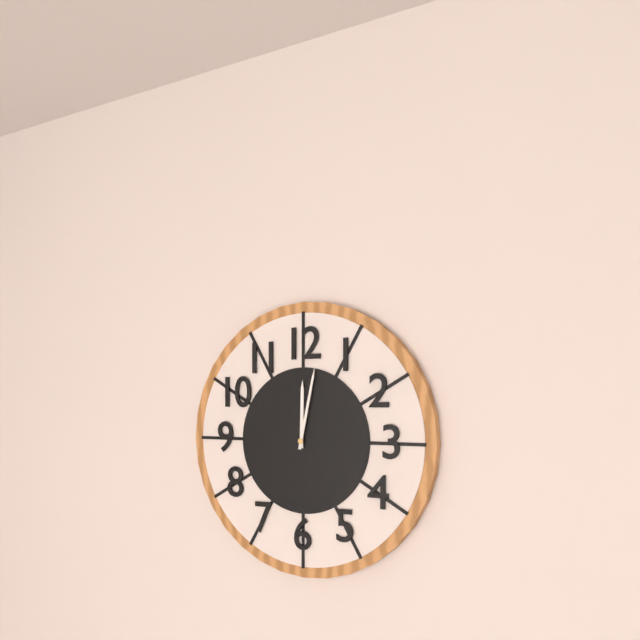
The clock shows 12:02
